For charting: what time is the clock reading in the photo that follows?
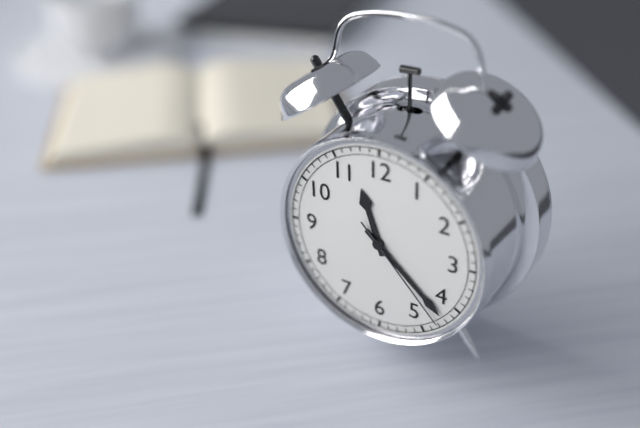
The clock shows 11:22:23
